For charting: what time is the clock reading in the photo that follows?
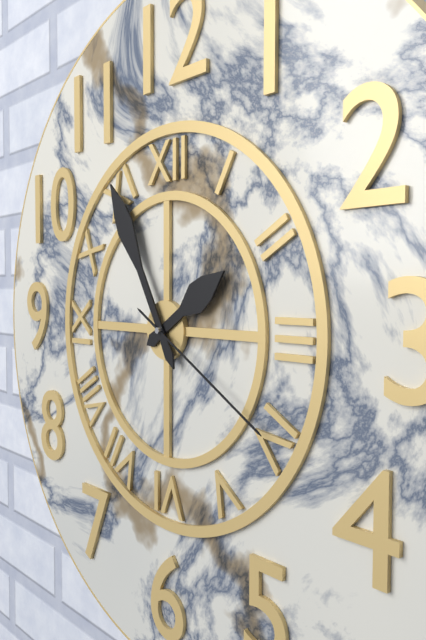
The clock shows 1:55:20
